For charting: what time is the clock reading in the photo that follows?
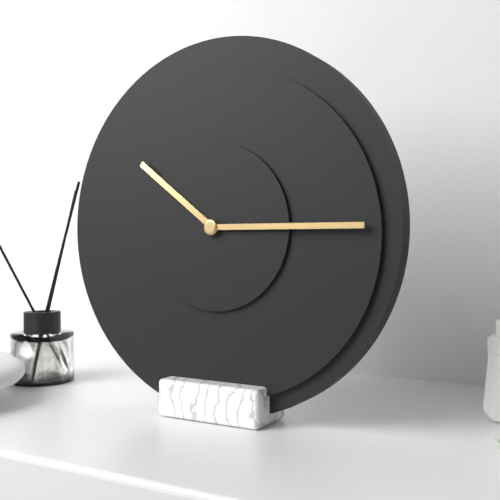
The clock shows 10:15
